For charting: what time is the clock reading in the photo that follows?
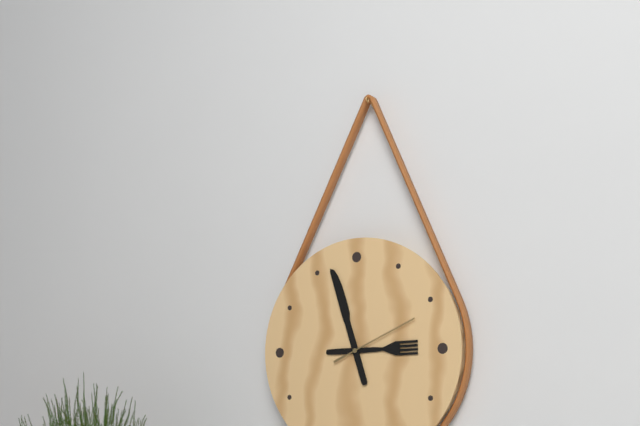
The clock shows 2:57:11
